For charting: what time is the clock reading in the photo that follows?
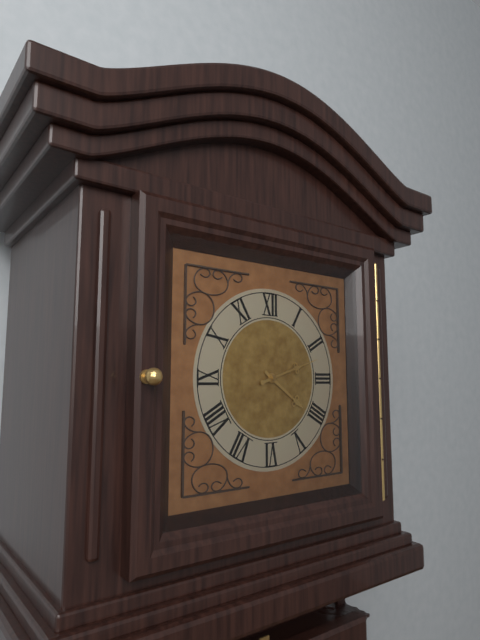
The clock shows 4:12
